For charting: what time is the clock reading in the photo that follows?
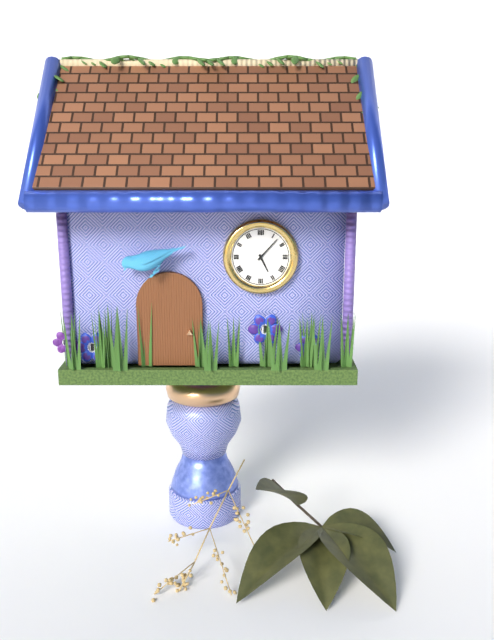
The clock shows 5:07
